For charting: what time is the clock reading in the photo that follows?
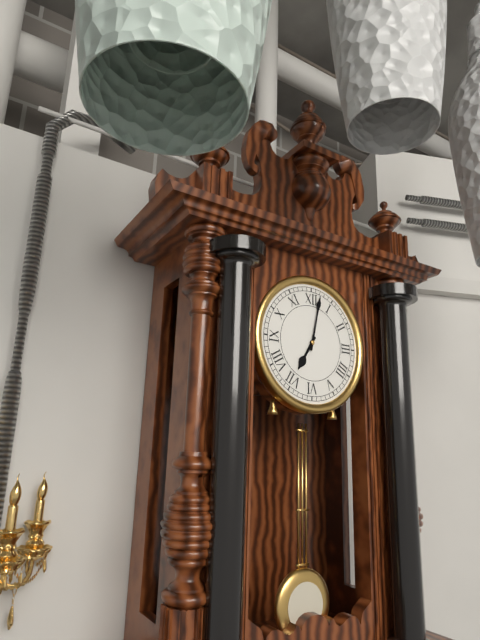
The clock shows 7:02
